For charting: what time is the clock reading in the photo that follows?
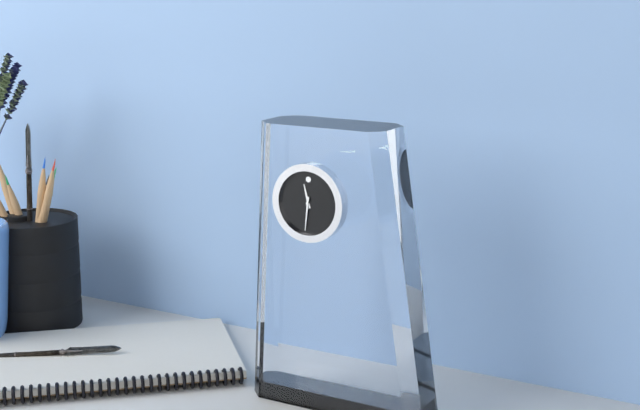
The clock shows 11:31
